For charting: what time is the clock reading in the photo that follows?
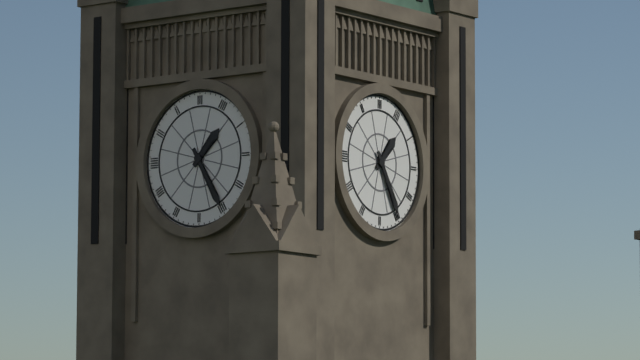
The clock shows 1:25
